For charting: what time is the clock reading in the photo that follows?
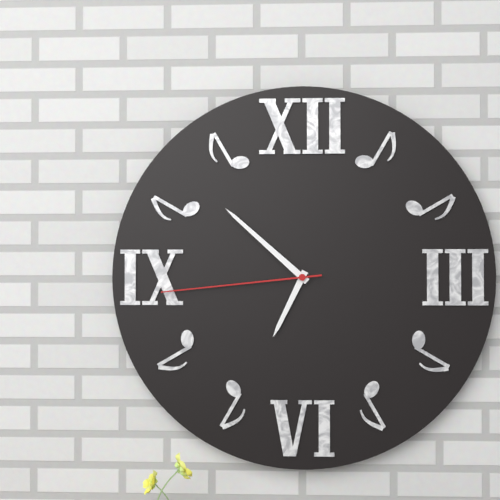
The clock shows 6:52:44
